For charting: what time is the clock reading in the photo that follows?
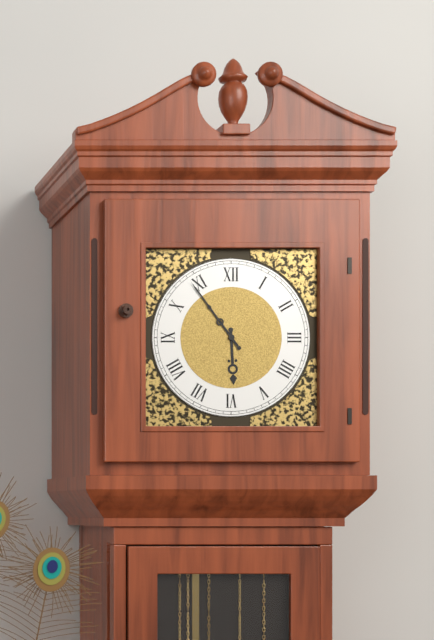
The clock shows 5:54
